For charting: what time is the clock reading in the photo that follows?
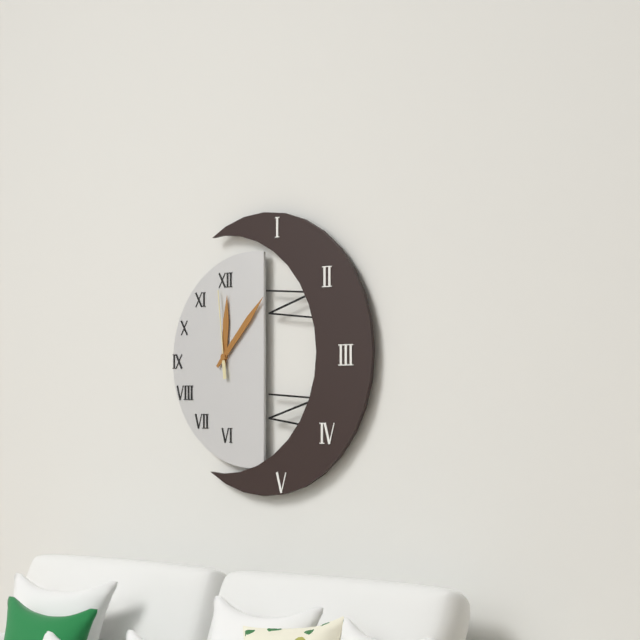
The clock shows 12:07:59
